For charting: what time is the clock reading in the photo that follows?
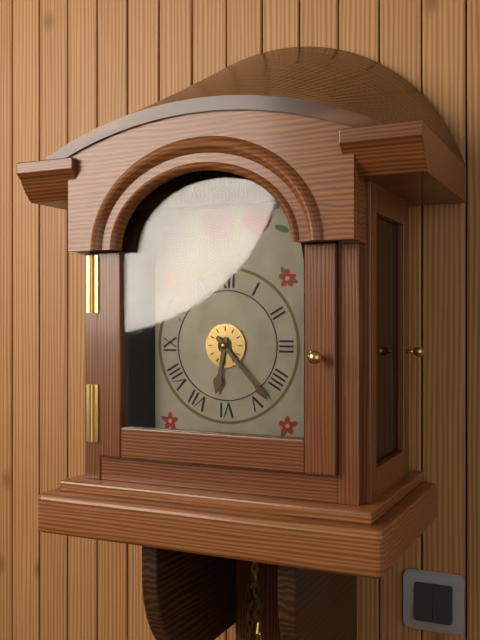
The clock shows 6:23
